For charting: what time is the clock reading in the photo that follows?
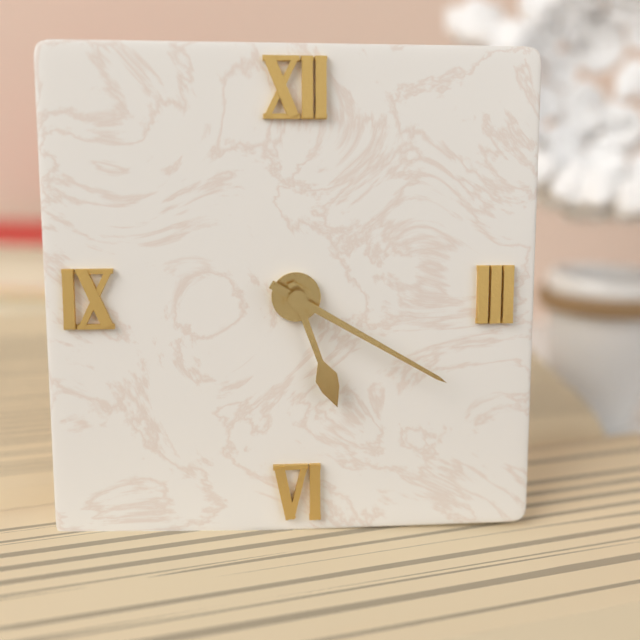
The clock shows 5:20
